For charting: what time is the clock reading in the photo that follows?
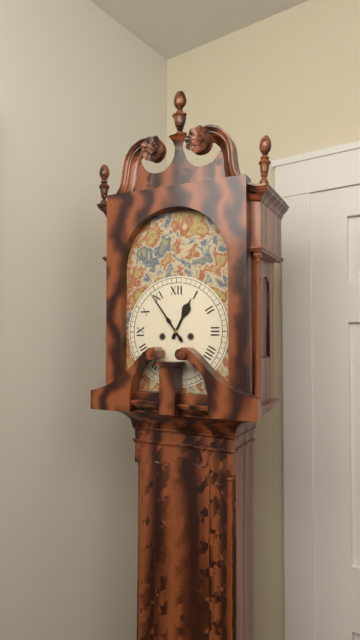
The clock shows 12:54
